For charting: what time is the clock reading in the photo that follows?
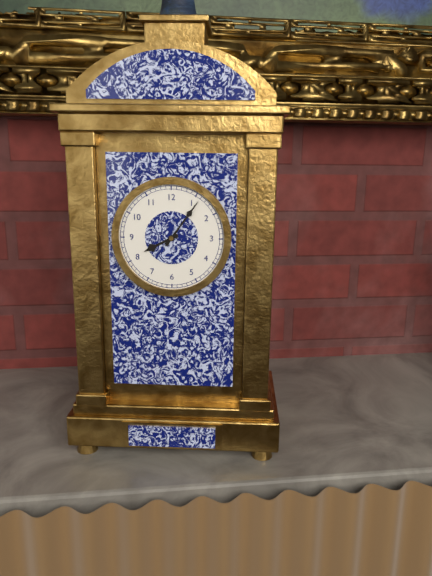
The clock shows 8:06
